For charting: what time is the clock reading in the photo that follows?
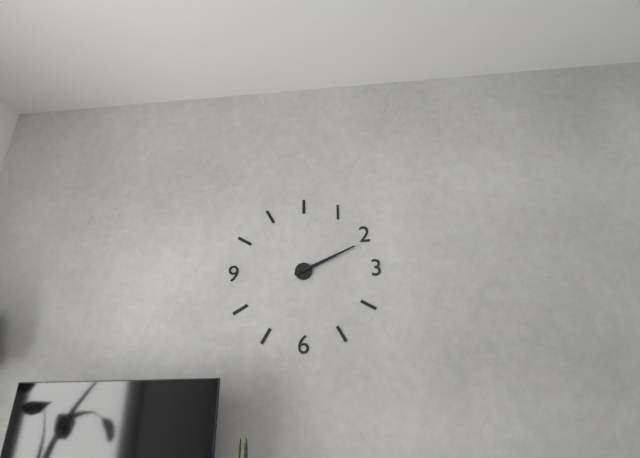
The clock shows 2:11
